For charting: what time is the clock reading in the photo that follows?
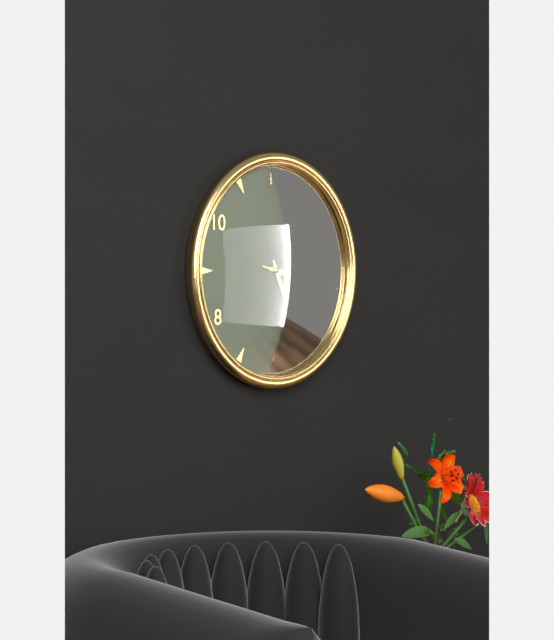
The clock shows 3:26:17
